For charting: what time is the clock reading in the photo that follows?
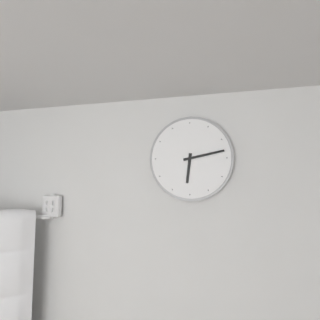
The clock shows 6:13
